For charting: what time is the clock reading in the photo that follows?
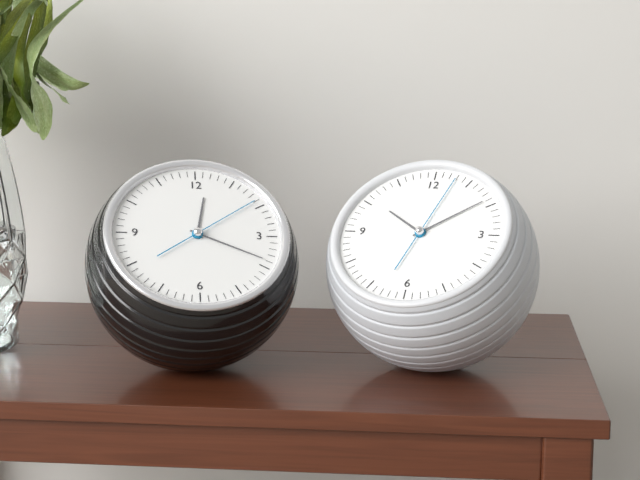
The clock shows 12:19:09
